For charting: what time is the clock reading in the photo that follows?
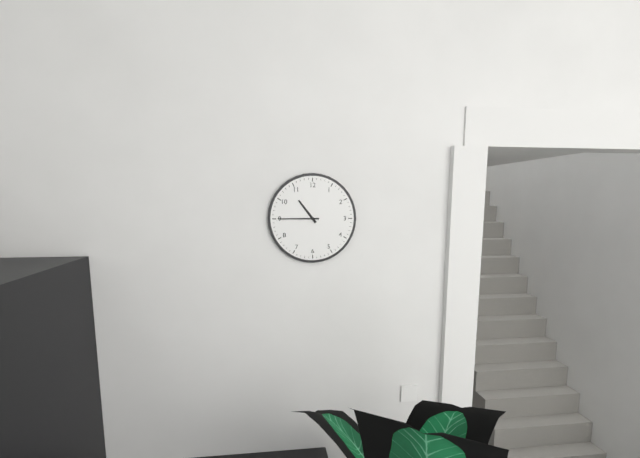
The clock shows 10:45
